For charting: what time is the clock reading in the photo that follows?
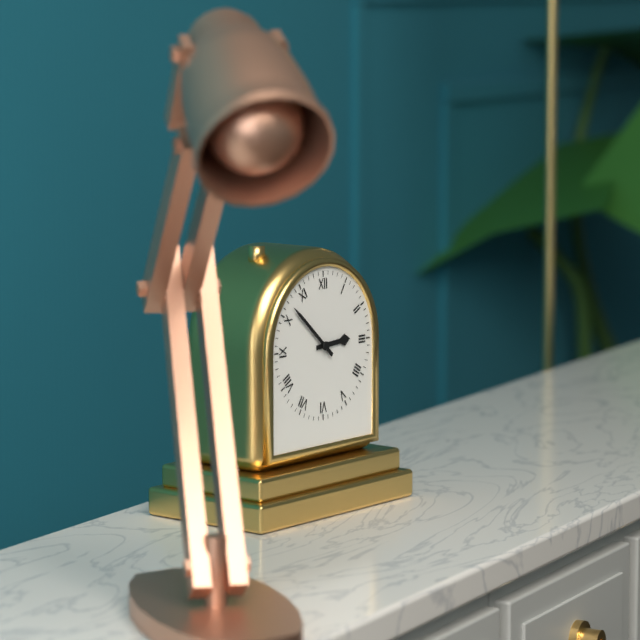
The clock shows 2:52
